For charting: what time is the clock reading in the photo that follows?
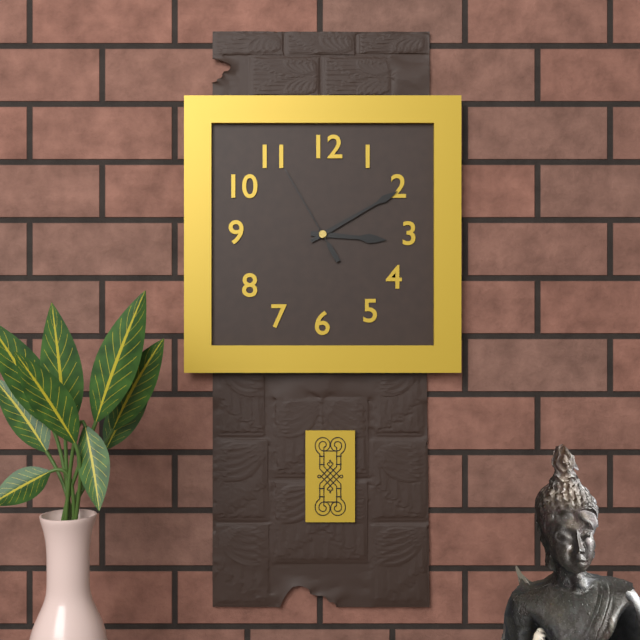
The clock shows 3:10:55
